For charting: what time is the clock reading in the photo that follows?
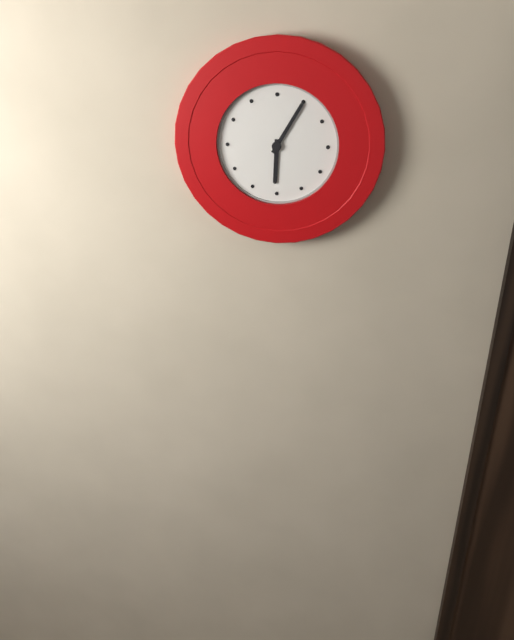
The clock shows 6:05
